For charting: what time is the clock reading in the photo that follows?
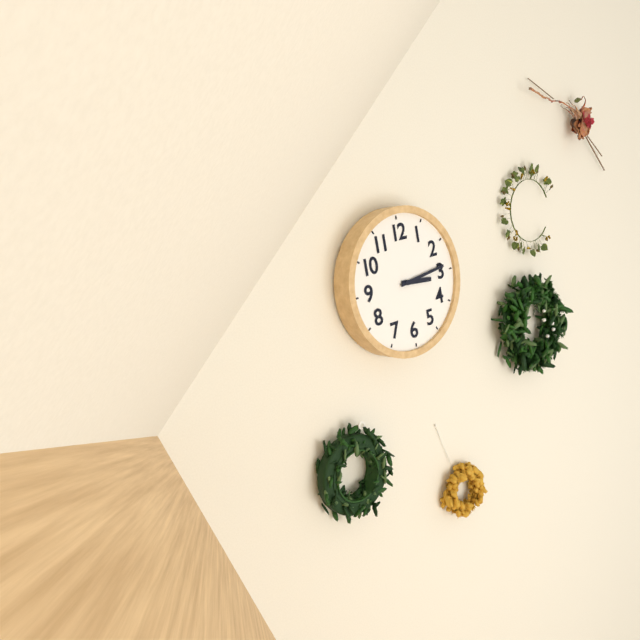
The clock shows 3:14
